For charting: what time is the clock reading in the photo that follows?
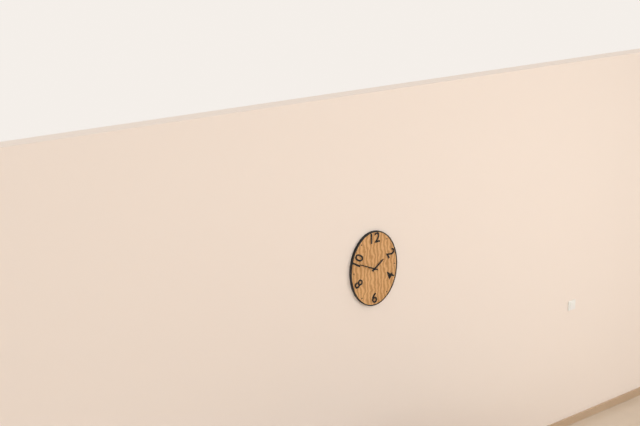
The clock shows 1:49
